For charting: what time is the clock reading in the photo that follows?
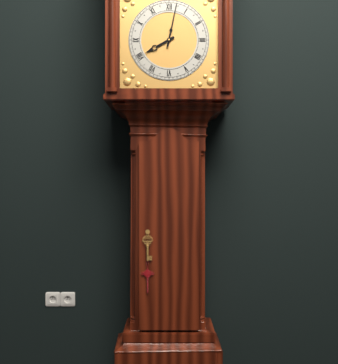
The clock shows 8:02
